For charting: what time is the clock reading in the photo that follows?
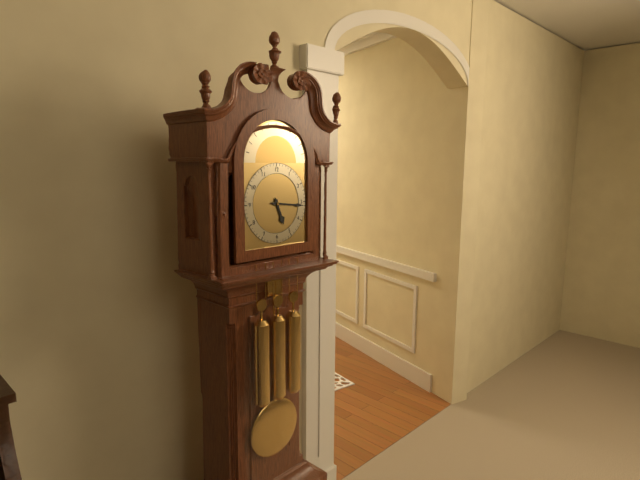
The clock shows 5:16
